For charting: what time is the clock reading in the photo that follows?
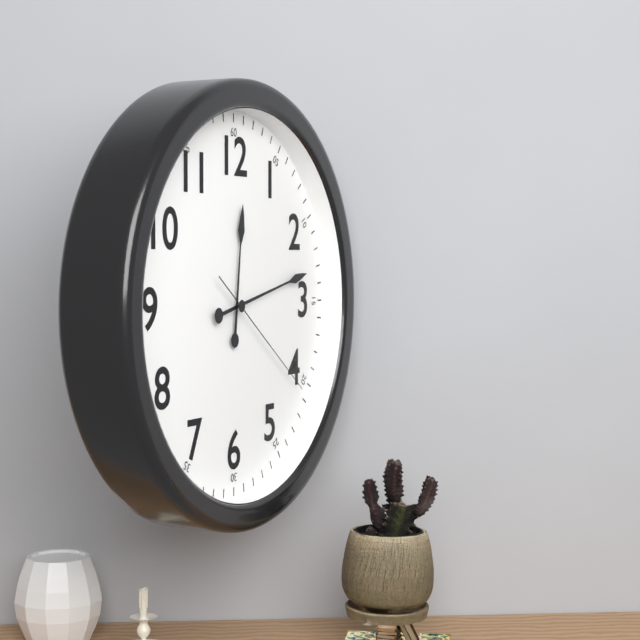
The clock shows 12:13:21
